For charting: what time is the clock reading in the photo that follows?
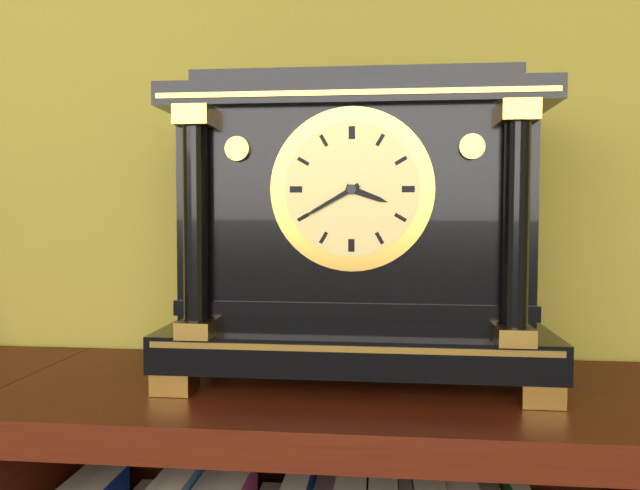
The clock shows 3:40
